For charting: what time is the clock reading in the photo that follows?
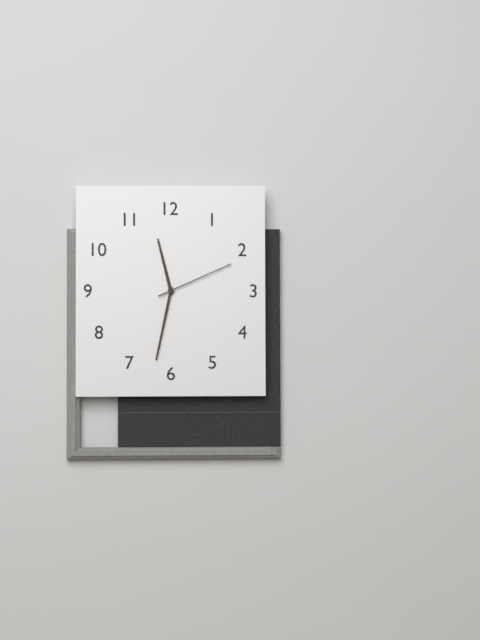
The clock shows 11:32:11
